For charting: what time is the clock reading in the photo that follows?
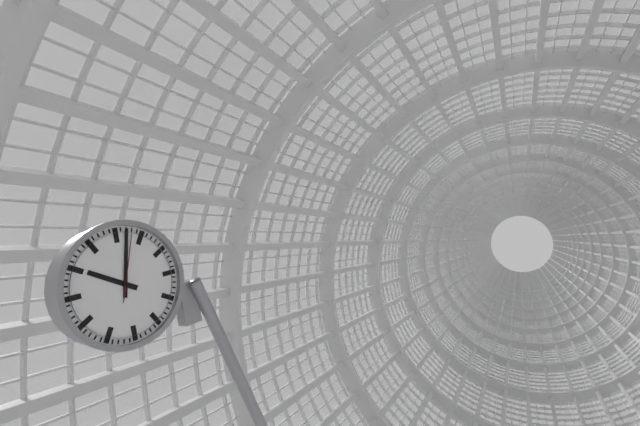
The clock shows 10:02:03
